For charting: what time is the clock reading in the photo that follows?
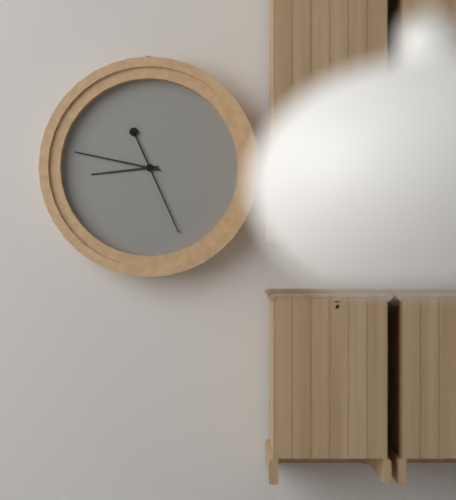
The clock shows 8:47:26
